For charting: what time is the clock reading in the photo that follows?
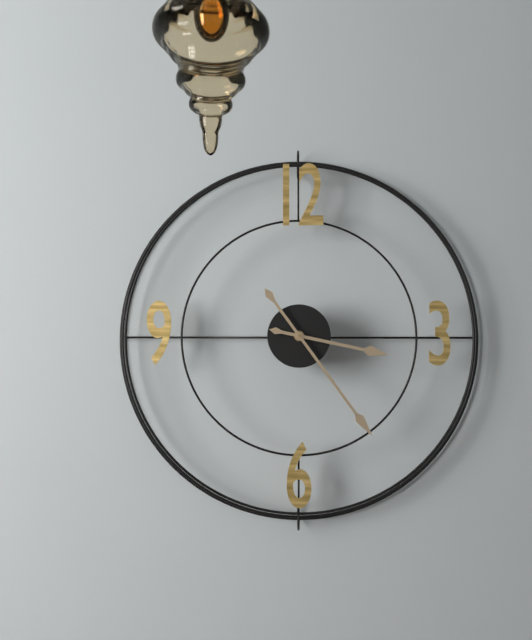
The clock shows 3:24
